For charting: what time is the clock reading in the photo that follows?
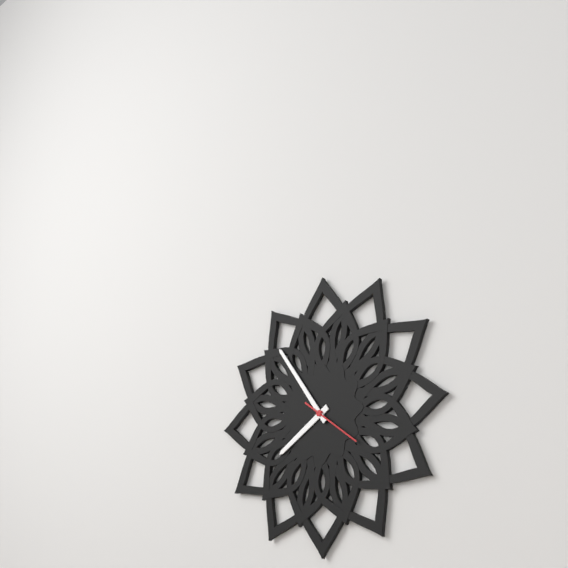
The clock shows 7:54:21
